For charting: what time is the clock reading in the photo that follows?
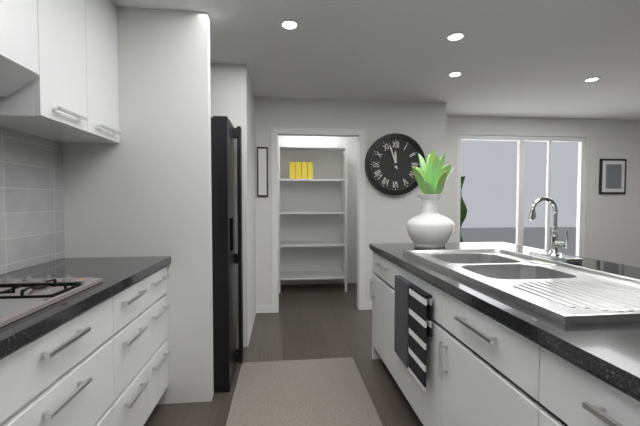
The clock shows 11:57
